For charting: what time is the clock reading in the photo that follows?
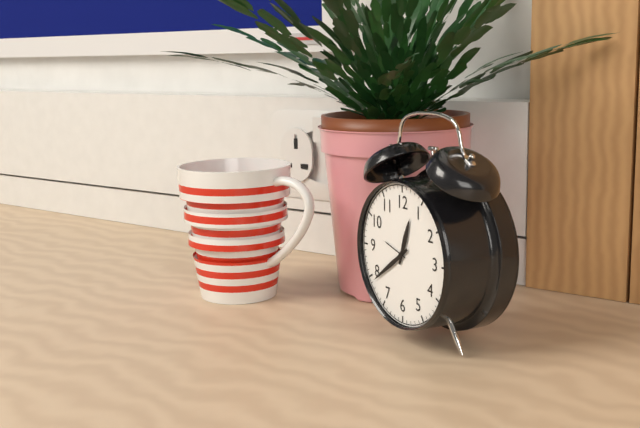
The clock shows 12:39
